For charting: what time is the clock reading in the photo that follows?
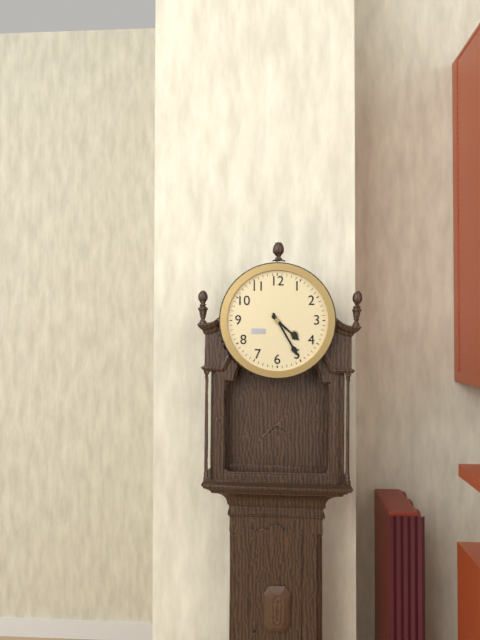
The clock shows 4:25
